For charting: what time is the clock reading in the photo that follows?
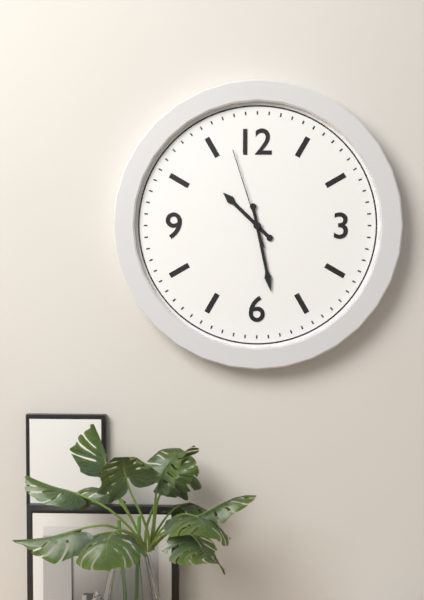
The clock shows 10:28:57
